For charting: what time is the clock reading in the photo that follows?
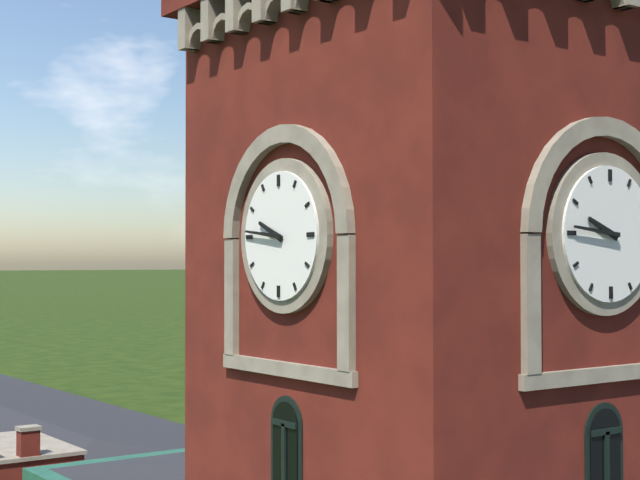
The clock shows 9:46
